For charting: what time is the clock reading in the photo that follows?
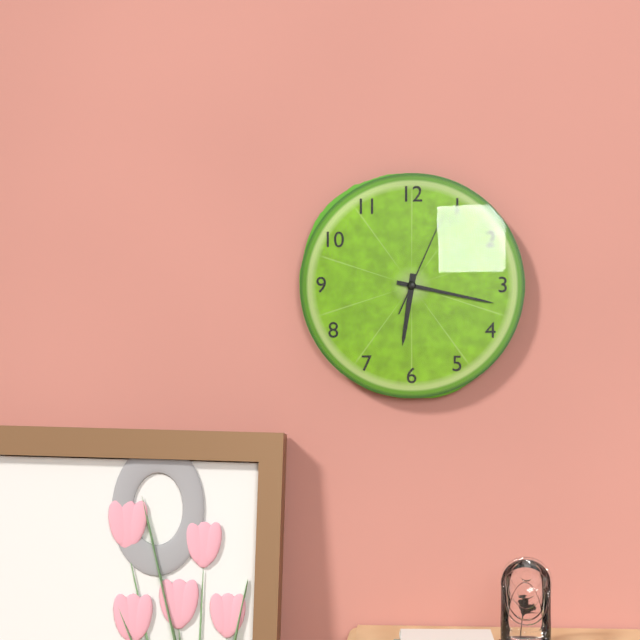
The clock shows 6:17:04
